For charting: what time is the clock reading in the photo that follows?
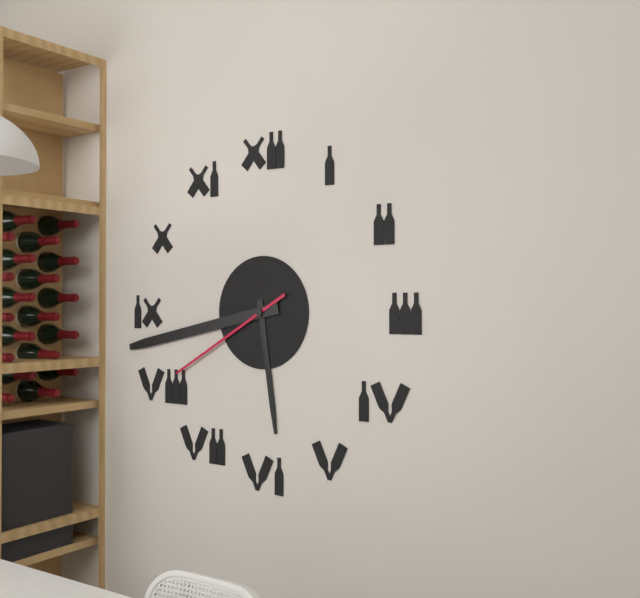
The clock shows 5:43:40
